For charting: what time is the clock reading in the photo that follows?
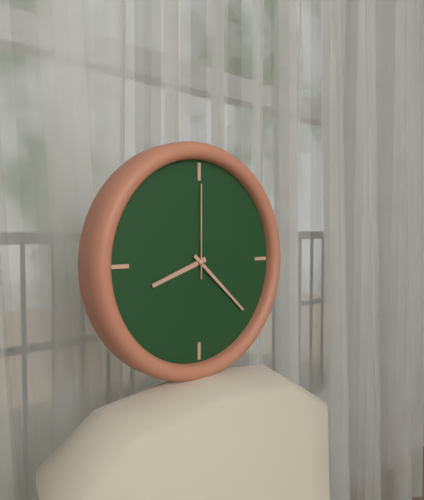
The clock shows 8:22:00
